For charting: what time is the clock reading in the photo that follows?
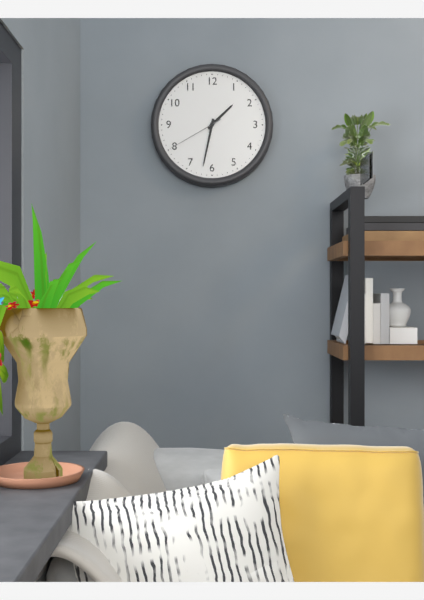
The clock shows 1:32:40
